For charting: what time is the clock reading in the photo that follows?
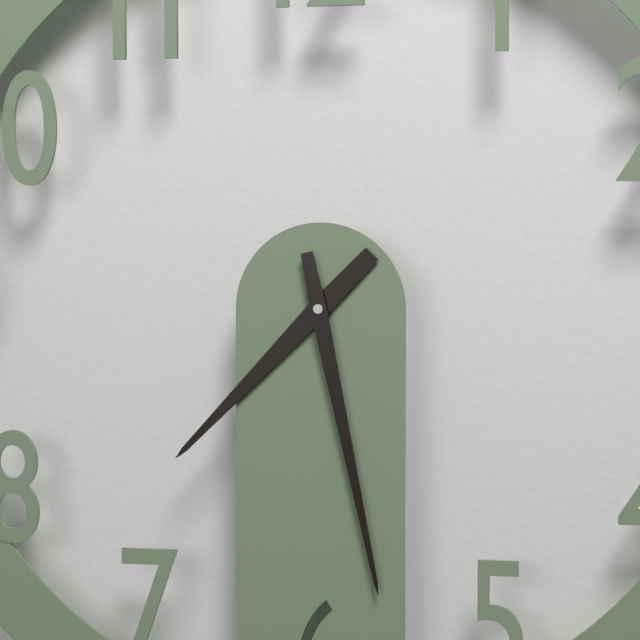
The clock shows 7:28
